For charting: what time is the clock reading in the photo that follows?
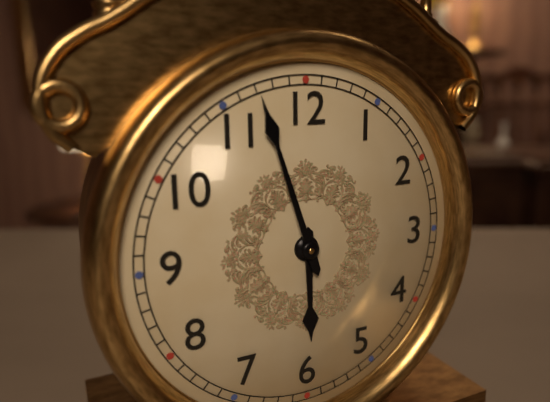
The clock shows 5:57
